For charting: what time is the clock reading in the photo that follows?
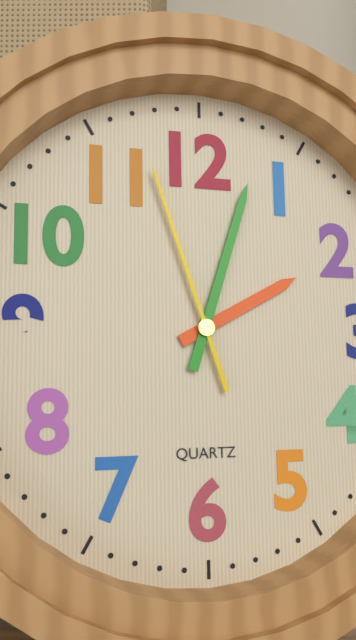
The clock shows 2:03:57
